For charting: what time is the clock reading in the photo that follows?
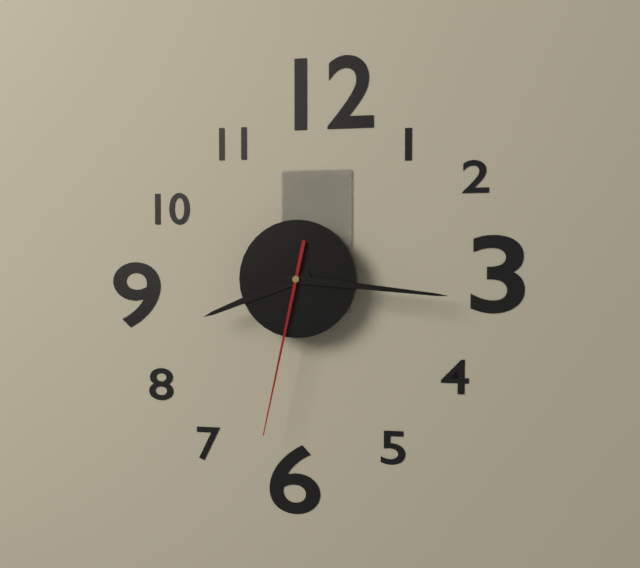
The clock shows 8:16:32
